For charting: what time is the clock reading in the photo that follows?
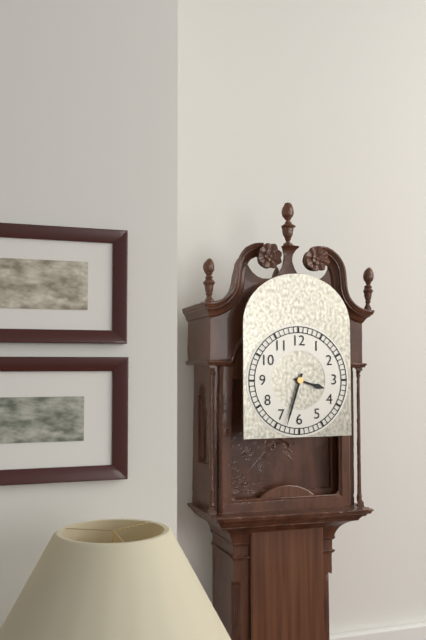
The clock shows 3:33
